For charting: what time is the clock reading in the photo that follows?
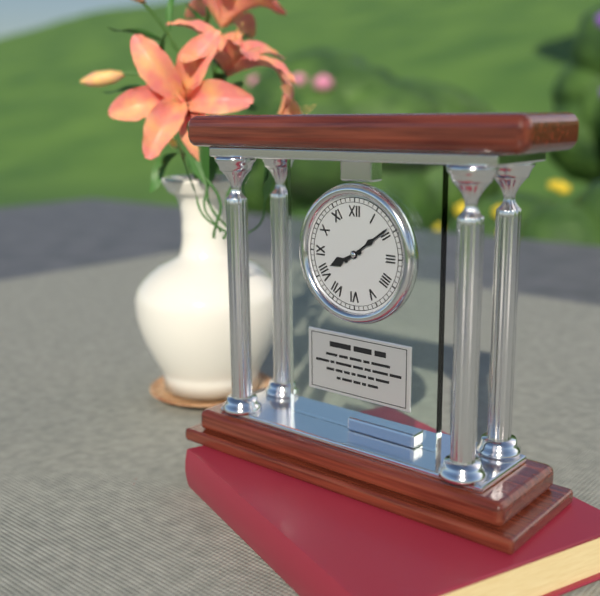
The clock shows 8:09
